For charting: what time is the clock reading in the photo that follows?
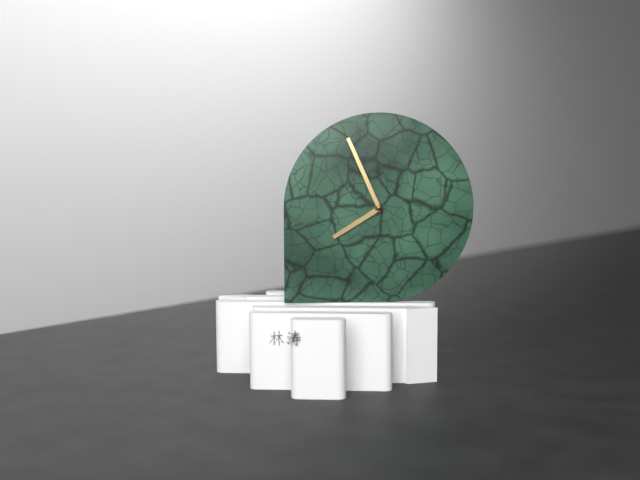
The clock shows 7:56
